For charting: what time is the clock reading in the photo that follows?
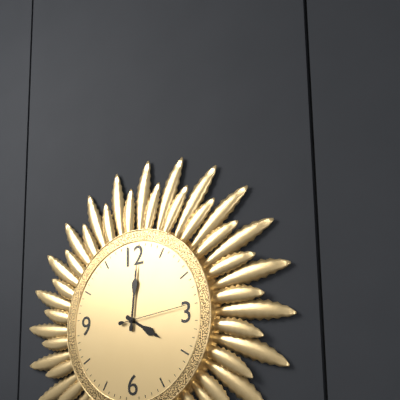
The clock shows 4:01:14
